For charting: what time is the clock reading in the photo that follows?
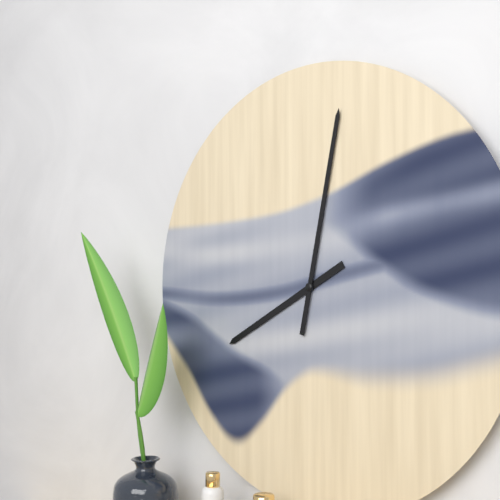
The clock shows 8:02
